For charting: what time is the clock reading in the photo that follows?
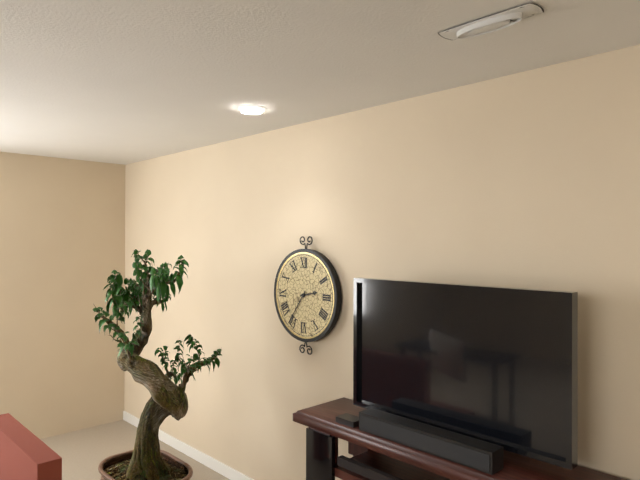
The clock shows 2:36
